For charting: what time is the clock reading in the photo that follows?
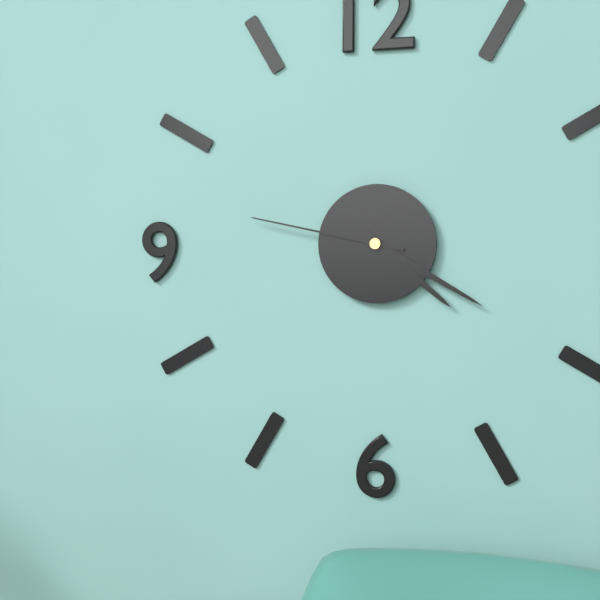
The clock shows 4:20:47
